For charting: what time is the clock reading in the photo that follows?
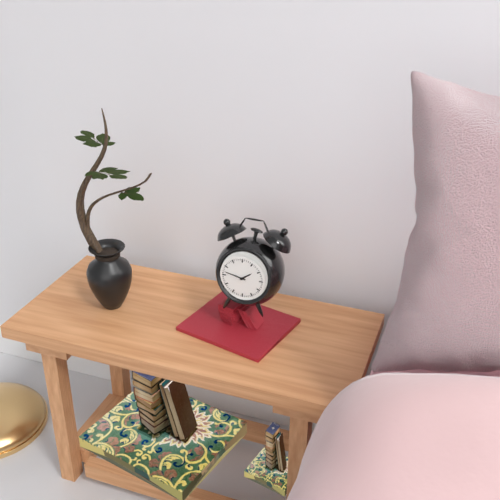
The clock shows 1:47
